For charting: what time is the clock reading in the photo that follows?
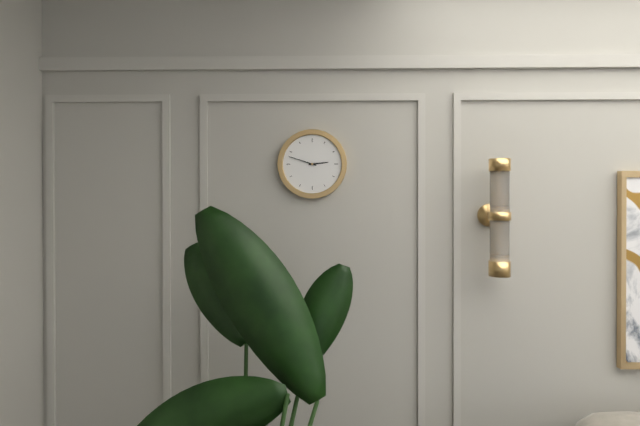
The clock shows 2:48
